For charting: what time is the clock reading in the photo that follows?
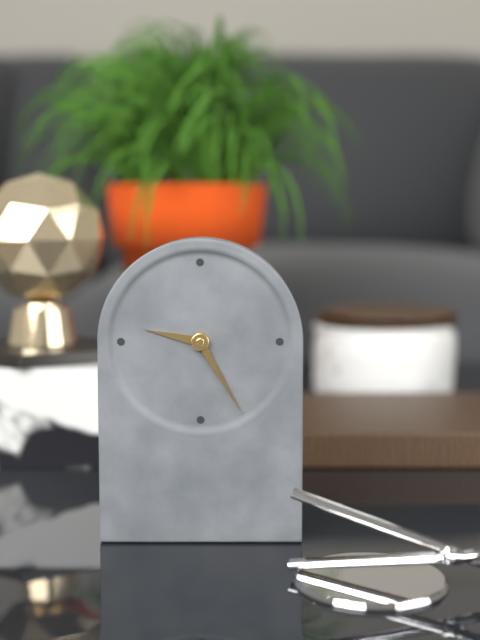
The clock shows 9:25
